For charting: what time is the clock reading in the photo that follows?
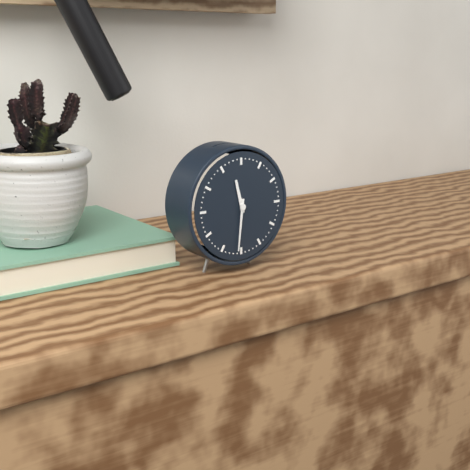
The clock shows 11:31
